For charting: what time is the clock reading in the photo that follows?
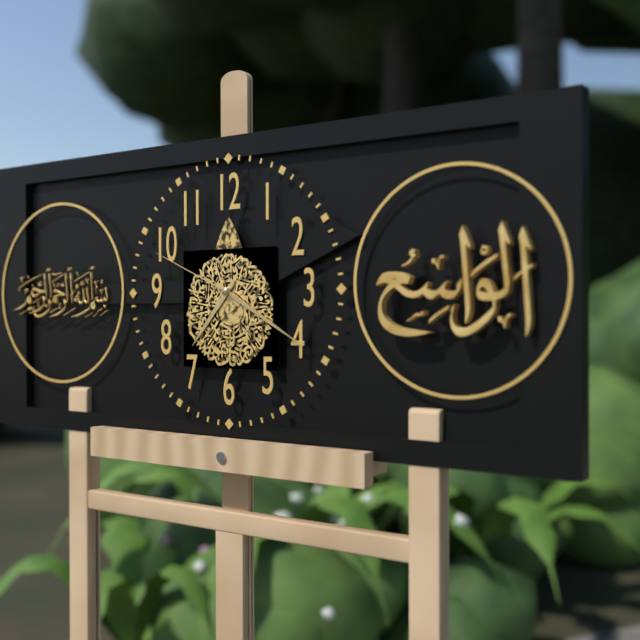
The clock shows 7:20:49
